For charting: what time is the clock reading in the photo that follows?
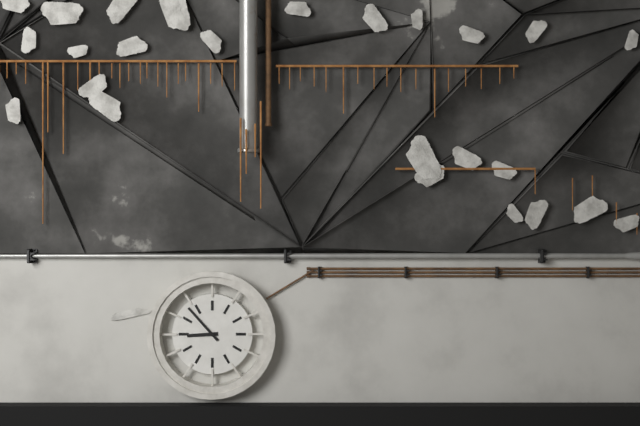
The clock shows 8:53
